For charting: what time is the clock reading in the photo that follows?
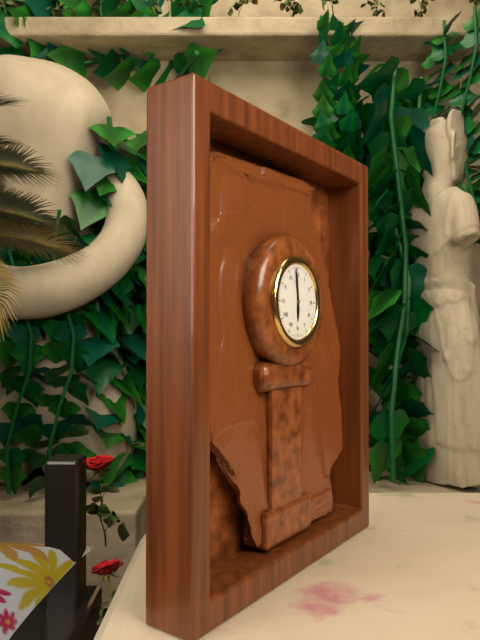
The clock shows 5:59
